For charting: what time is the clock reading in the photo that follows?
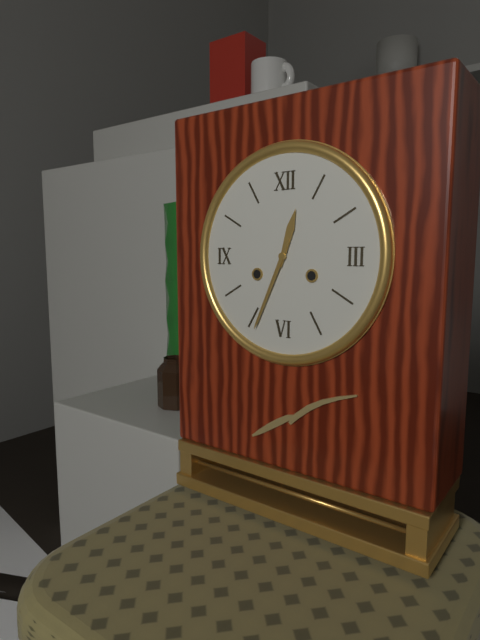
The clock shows 12:34
